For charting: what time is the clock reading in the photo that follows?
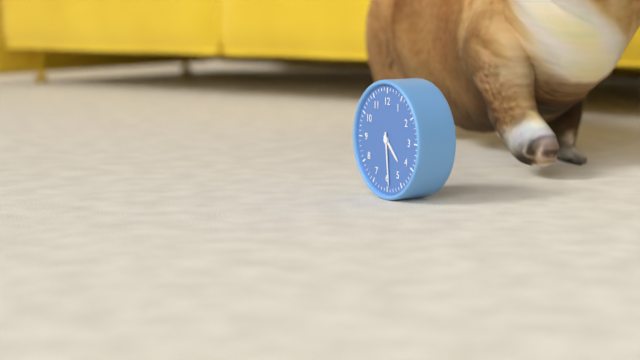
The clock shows 4:29
